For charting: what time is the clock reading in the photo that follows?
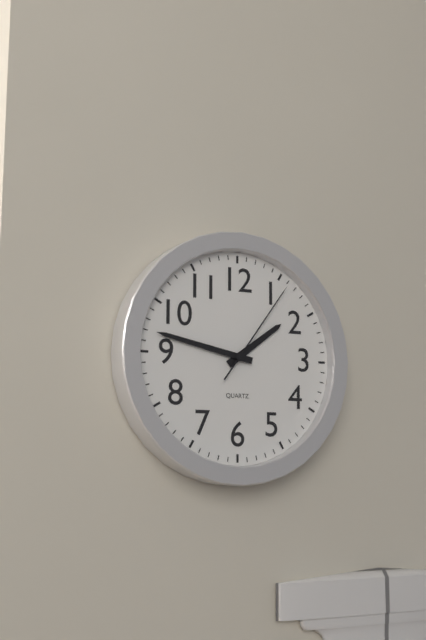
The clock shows 1:47:06
